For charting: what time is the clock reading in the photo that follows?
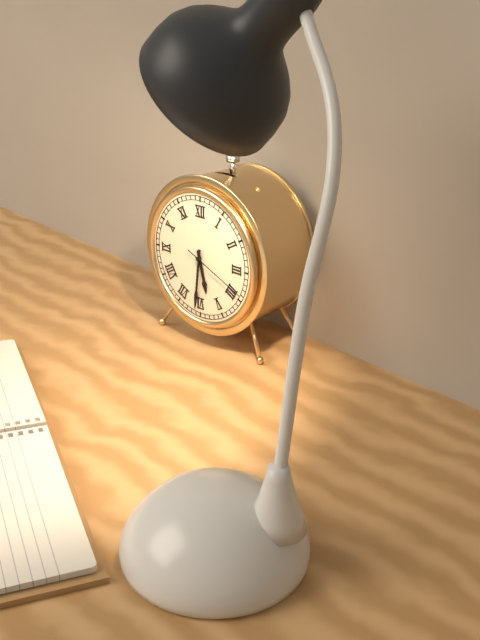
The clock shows 5:31:19
